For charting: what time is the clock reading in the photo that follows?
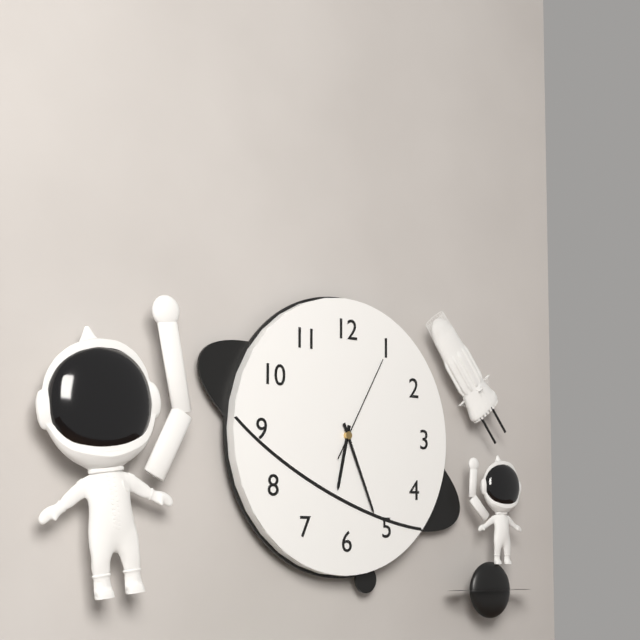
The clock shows 6:26:05
